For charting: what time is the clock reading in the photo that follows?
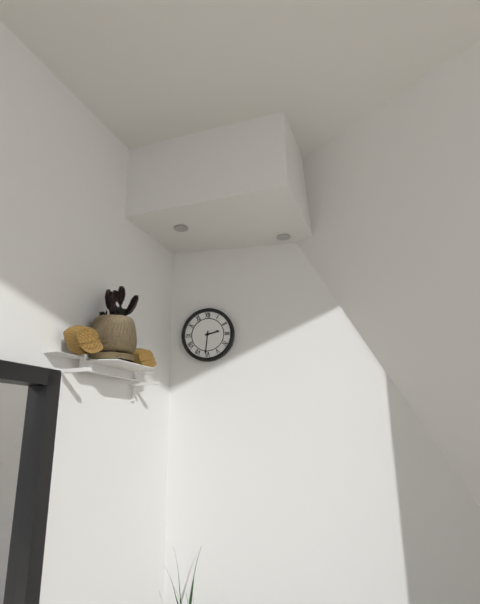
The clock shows 2:31
